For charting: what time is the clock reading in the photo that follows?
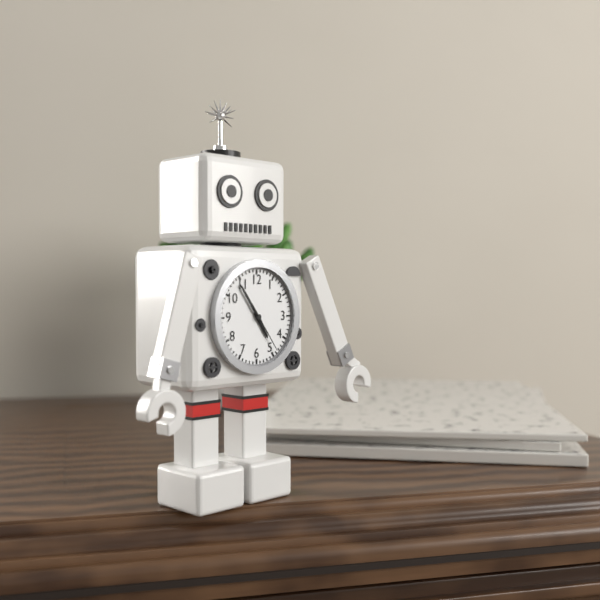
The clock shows 4:54:24
